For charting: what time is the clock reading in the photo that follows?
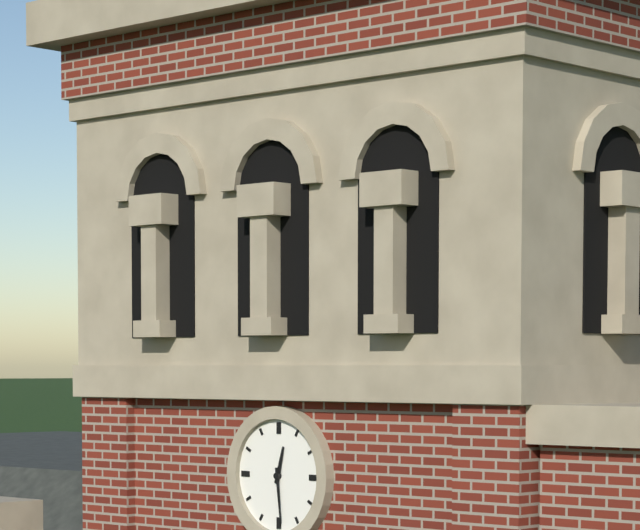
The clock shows 12:29
